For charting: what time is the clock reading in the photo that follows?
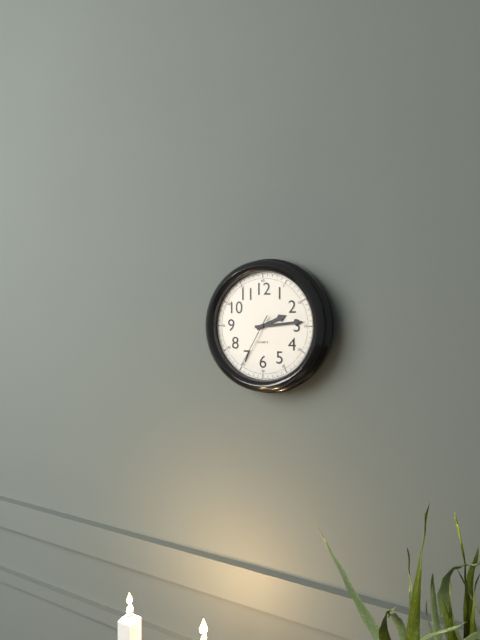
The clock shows 2:14:35
